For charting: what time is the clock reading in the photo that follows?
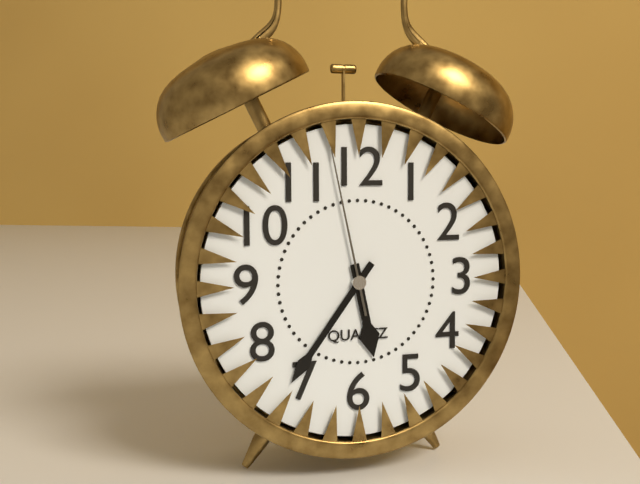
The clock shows 5:36:58
